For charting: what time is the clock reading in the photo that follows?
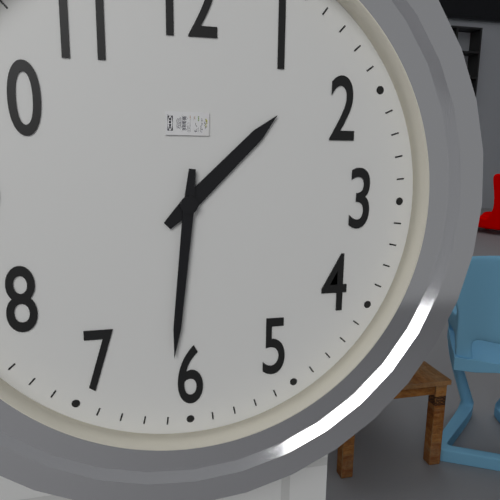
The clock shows 1:31
